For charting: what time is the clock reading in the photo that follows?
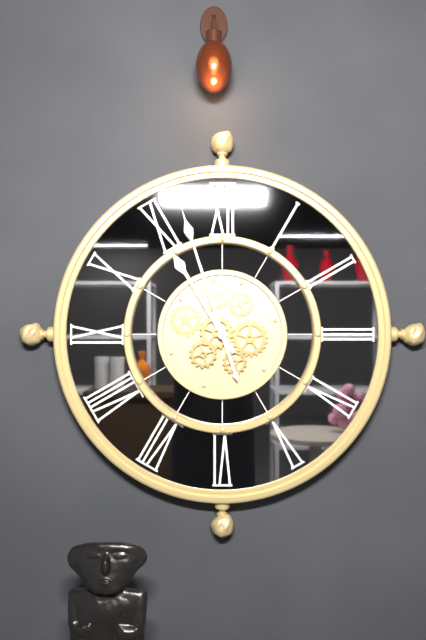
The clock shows 10:57
